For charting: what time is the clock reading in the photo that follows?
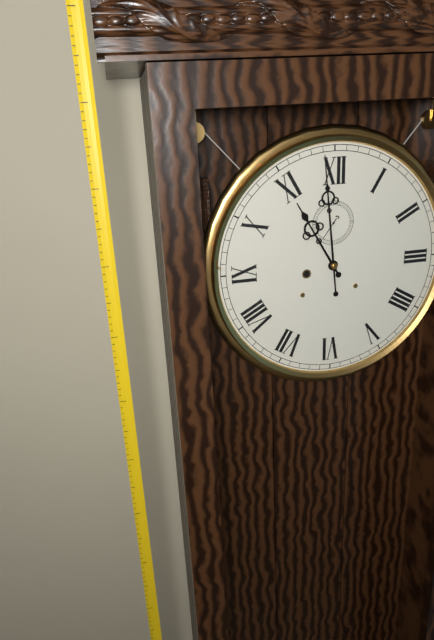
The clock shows 10:59
